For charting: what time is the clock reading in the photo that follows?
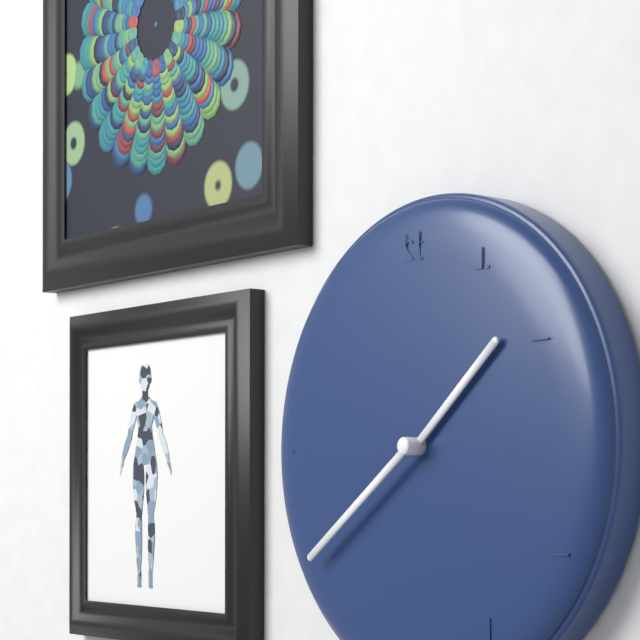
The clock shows 1:39
